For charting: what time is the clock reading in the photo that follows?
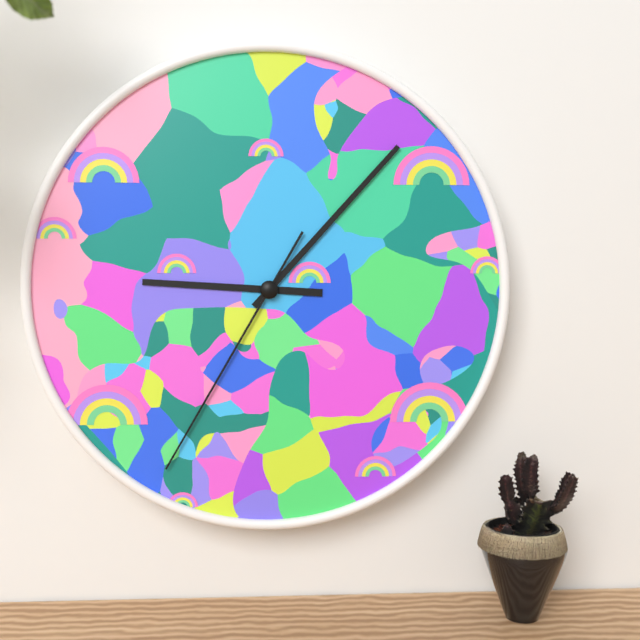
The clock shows 9:07:35
